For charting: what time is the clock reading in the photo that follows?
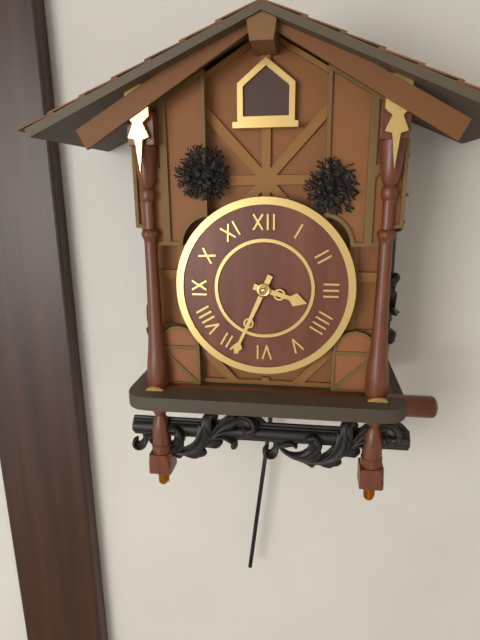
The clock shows 3:34
